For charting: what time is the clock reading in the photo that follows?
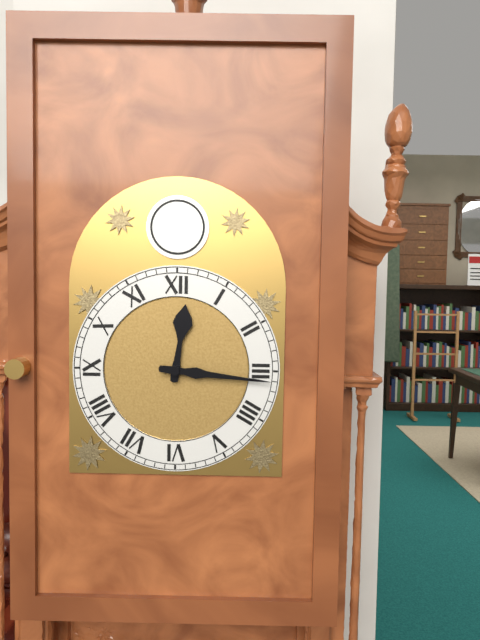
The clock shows 12:16
